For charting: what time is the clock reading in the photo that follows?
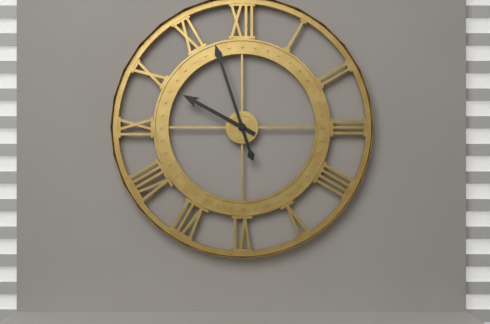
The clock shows 9:57
